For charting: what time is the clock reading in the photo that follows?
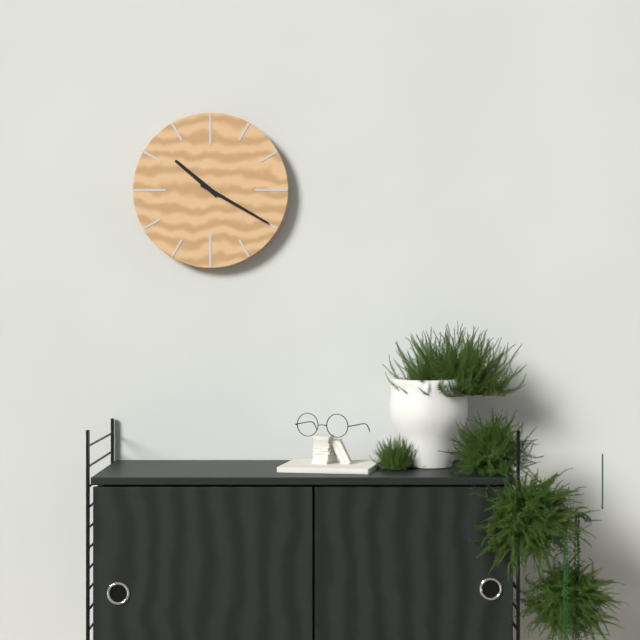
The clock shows 10:20
